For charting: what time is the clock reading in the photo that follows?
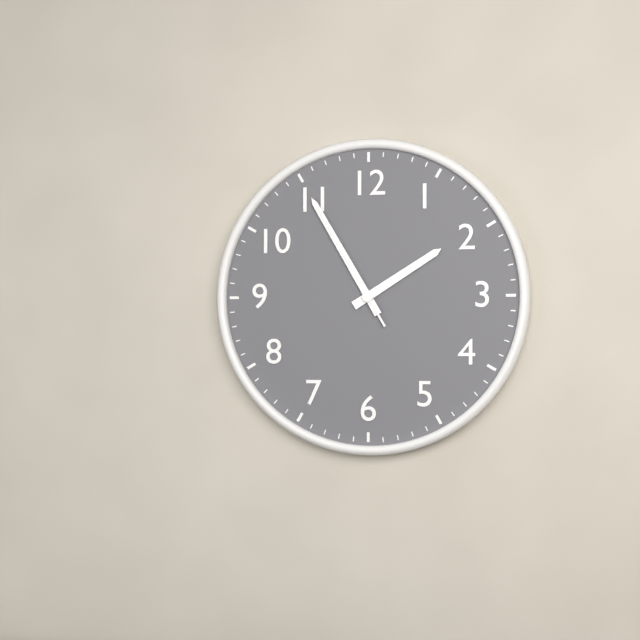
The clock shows 1:55:55
